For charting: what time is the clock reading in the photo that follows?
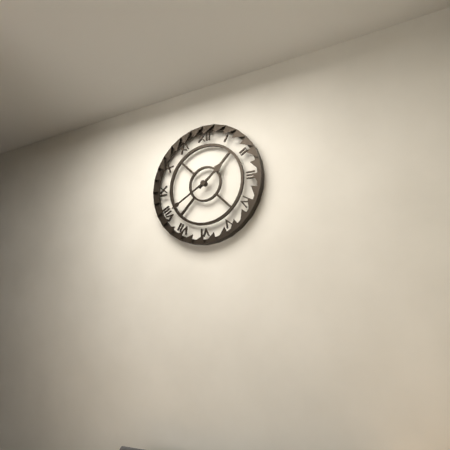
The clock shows 1:40
